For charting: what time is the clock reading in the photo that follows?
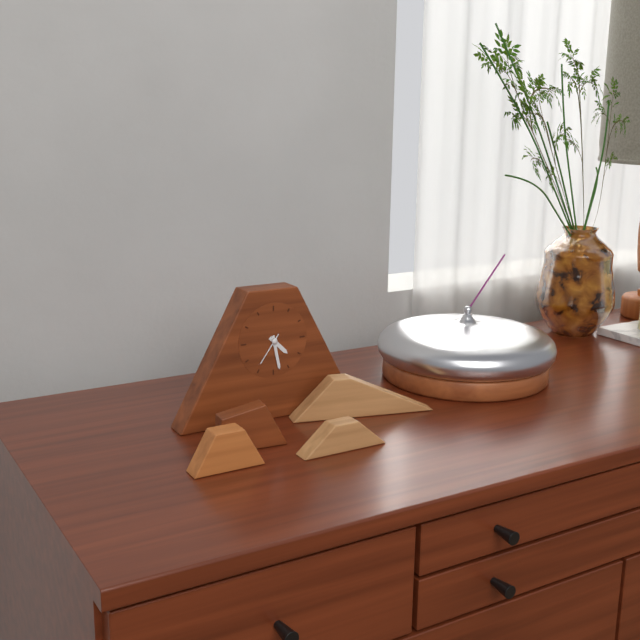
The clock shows 4:28
